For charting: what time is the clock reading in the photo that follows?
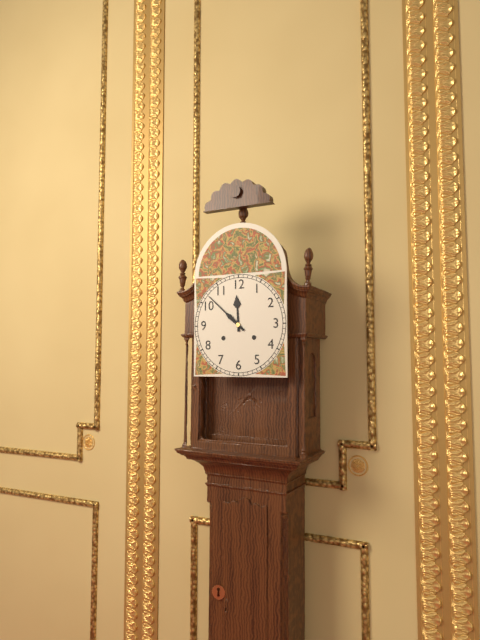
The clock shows 11:52
